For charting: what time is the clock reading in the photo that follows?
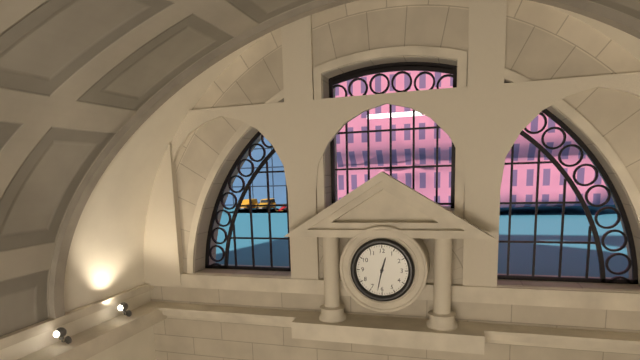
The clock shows 12:32
